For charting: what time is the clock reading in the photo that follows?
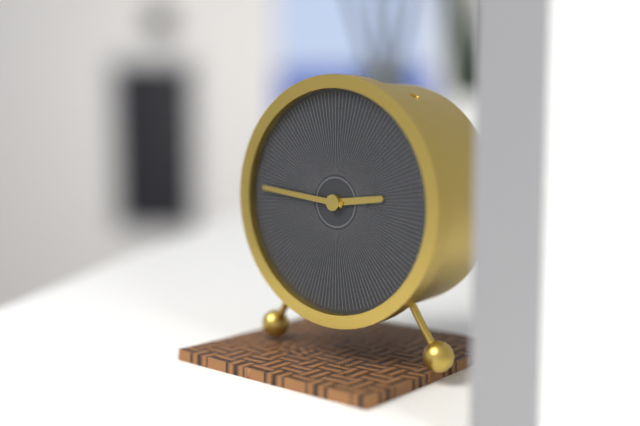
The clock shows 2:46
